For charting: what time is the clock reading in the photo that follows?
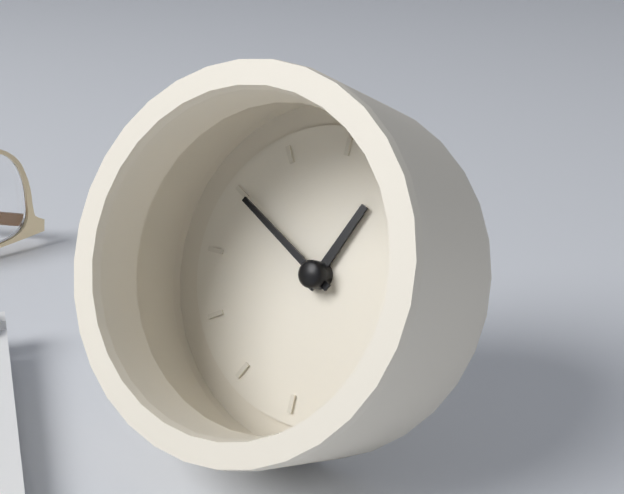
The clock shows 12:50
